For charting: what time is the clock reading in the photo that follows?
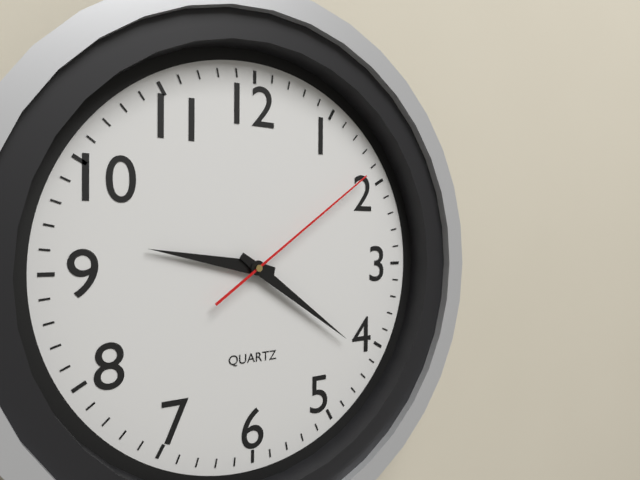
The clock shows 9:21:09
